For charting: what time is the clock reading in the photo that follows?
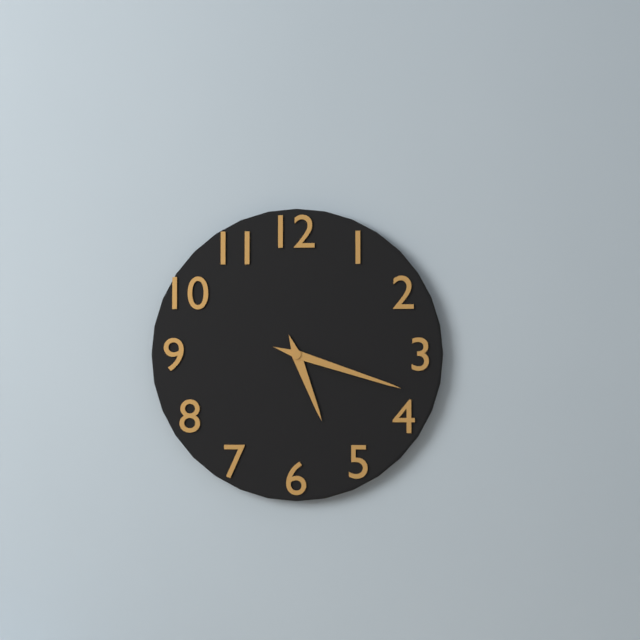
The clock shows 5:18
